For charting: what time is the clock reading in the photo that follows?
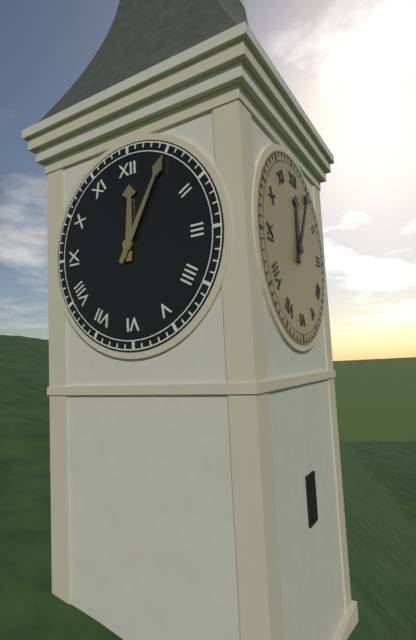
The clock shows 12:05
